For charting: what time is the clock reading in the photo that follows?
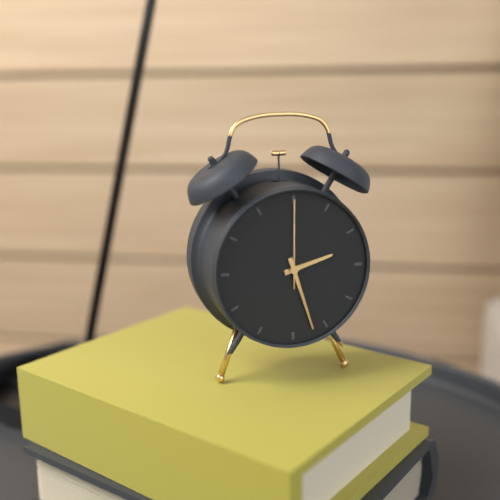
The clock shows 2:27:00
